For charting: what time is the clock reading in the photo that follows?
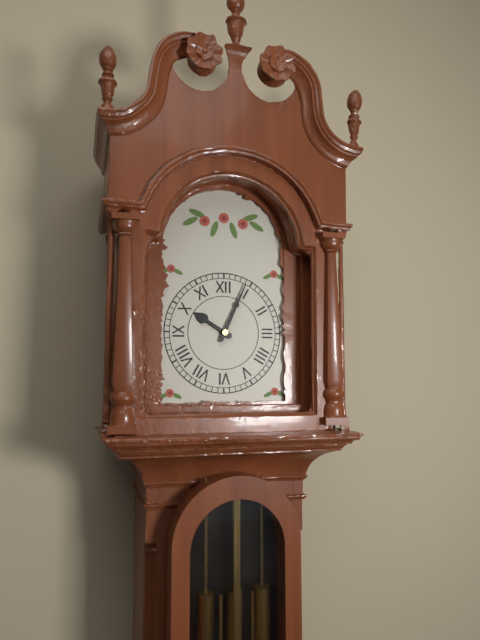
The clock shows 10:04
